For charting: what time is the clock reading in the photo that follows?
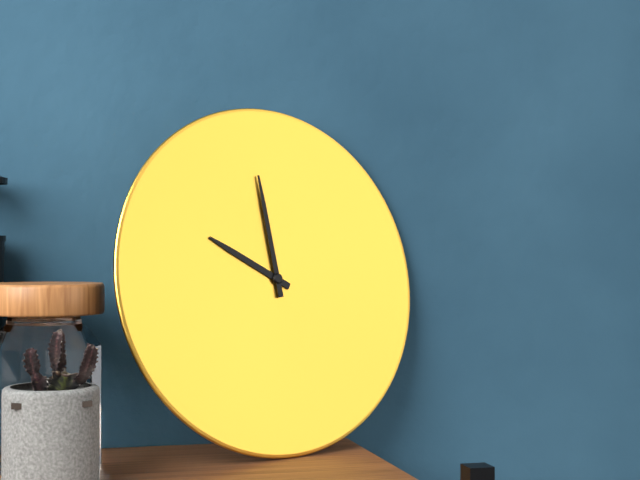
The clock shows 9:59
